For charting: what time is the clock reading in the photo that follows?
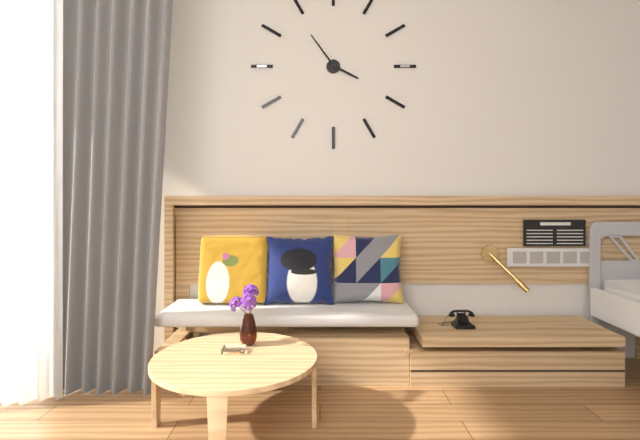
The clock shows 3:54
